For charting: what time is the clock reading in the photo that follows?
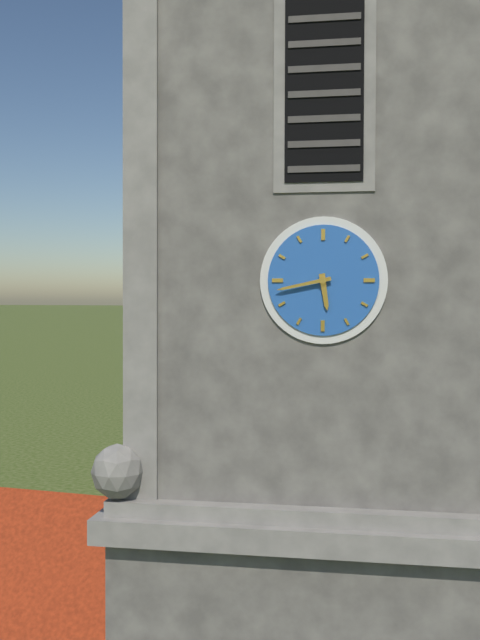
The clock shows 5:43
